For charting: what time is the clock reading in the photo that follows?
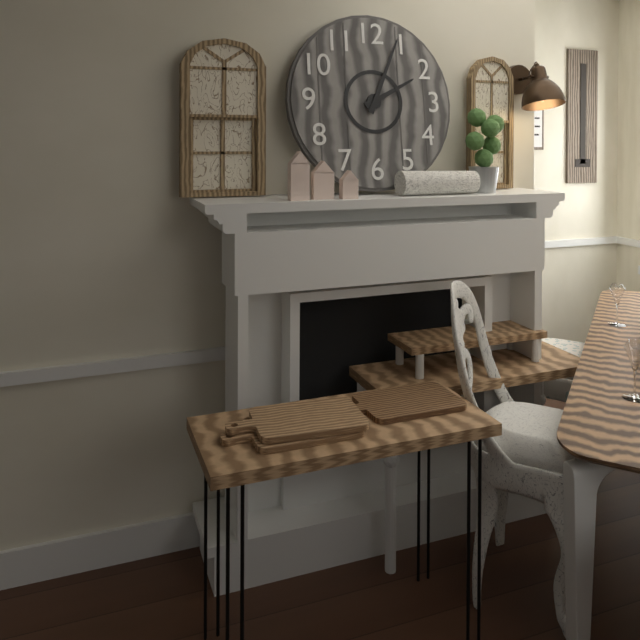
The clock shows 2:04
